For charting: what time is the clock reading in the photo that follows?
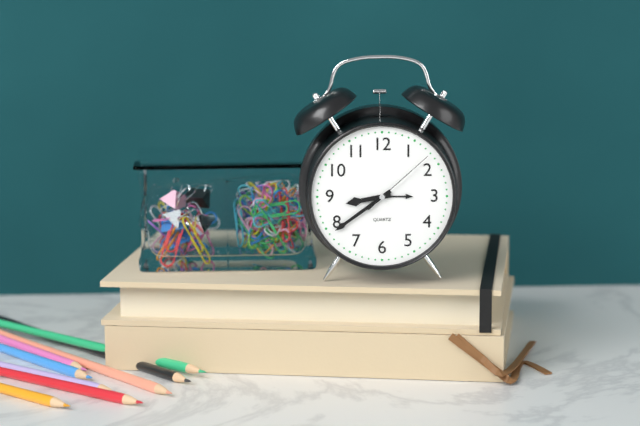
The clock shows 8:39:08
